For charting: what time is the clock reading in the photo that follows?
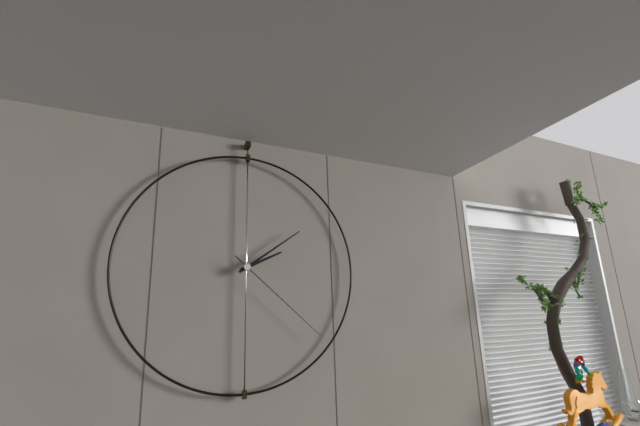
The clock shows 2:09:22
